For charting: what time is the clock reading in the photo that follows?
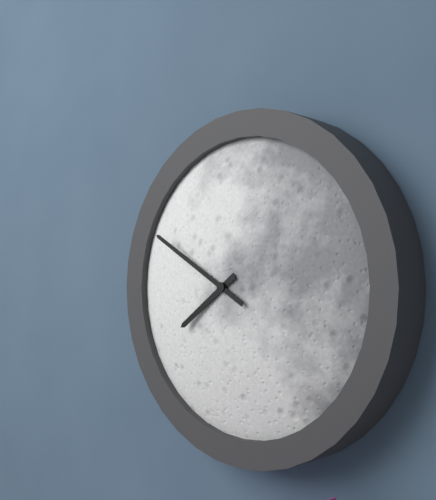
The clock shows 7:50
